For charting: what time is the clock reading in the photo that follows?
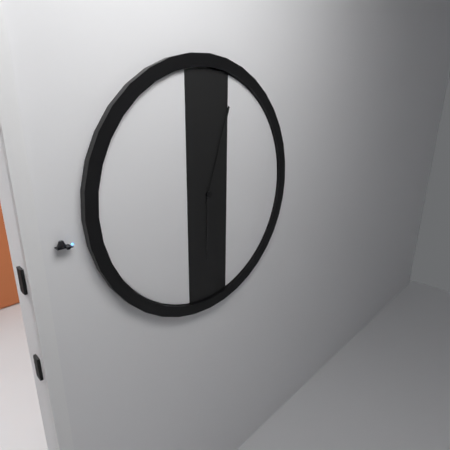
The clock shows 6:03
